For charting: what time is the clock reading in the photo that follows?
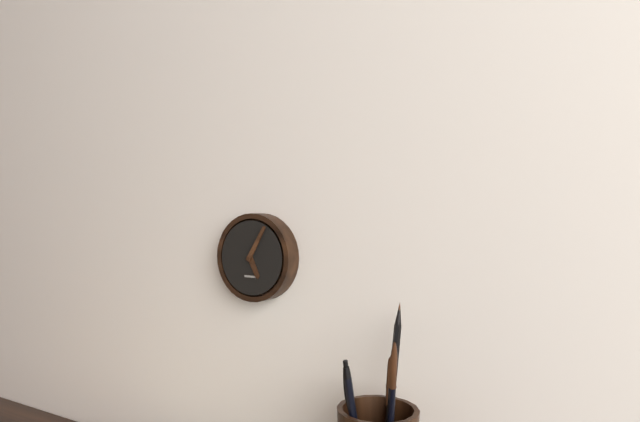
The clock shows 5:05
